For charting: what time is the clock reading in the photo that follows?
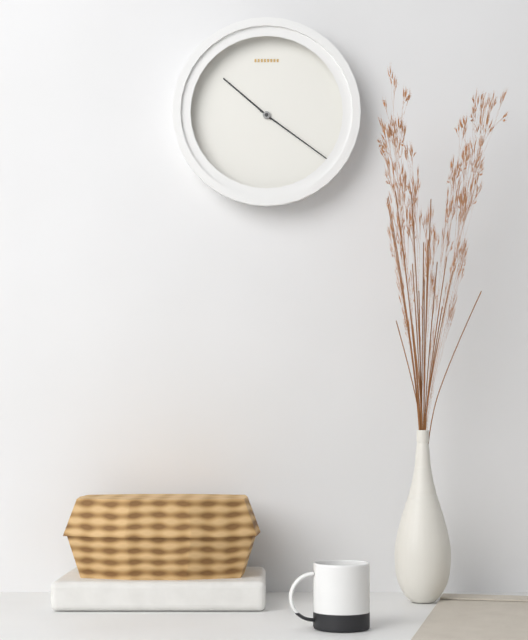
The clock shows 10:21
